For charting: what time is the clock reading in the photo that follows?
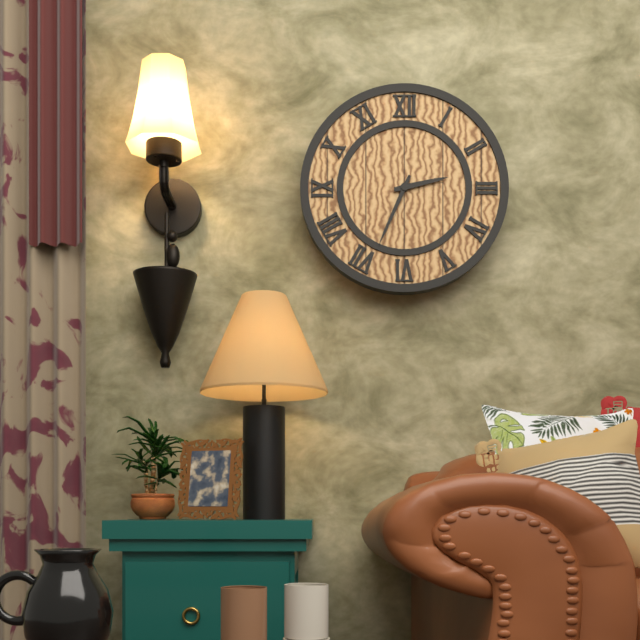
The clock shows 2:34
